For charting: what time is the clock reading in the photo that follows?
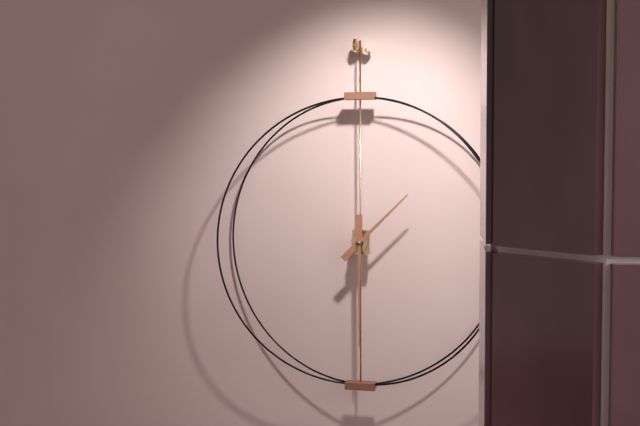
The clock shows 1:30
